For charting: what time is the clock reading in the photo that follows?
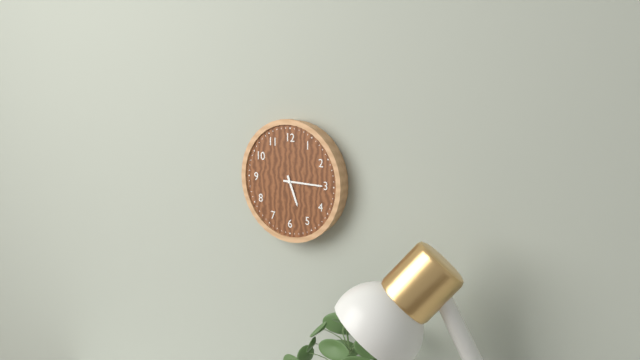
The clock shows 5:15
